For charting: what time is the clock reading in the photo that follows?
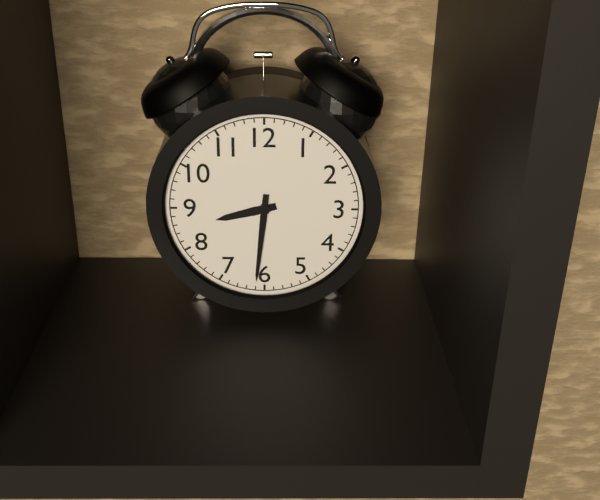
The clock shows 8:31
